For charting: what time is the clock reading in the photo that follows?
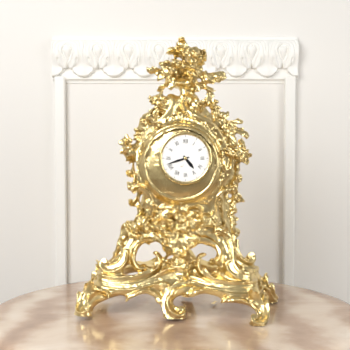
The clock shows 4:42
